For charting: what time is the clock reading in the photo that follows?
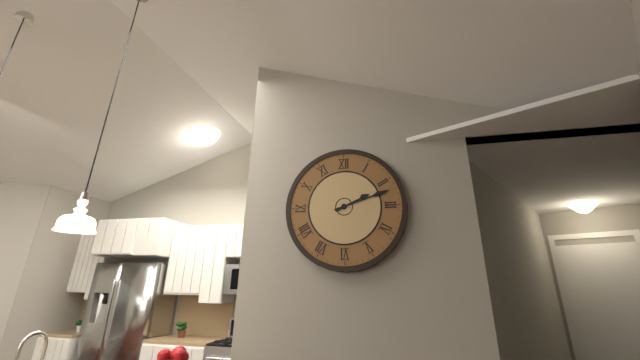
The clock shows 2:12
